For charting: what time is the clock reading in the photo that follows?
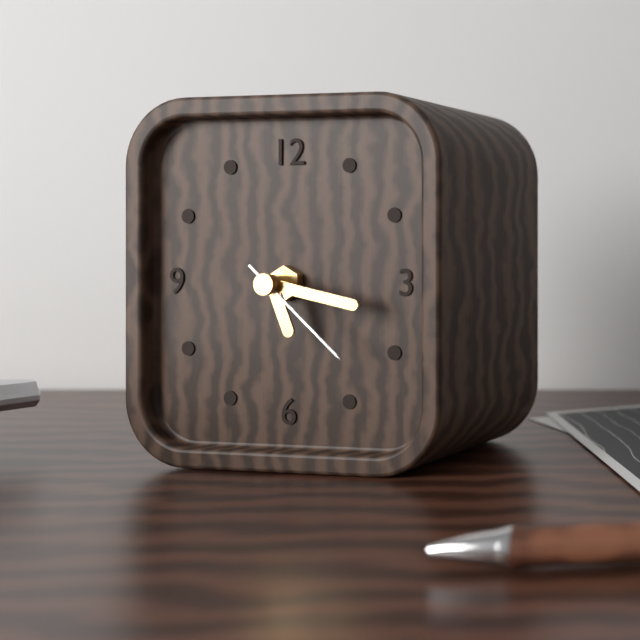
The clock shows 5:17:22
